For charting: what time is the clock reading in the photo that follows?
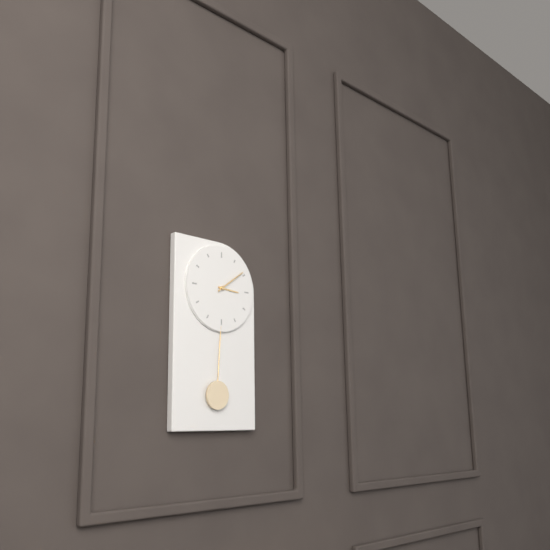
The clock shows 3:09
